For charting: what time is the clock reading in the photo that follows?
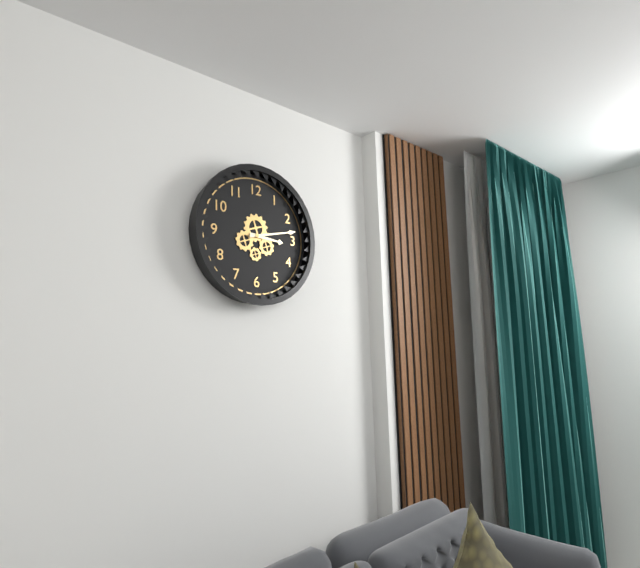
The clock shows 3:13
